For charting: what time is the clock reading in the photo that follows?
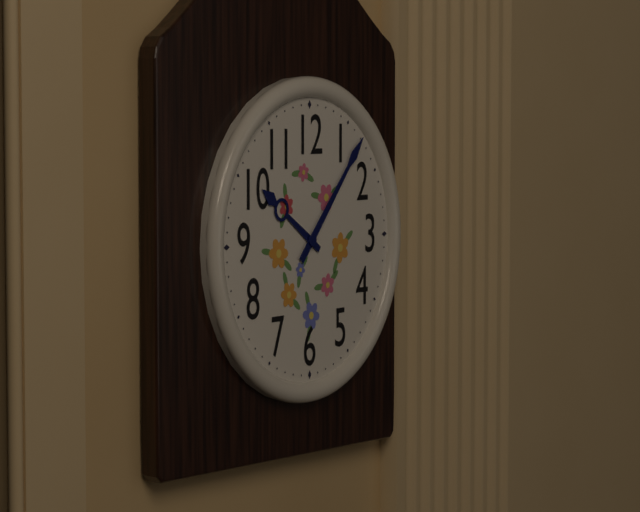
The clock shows 10:07
